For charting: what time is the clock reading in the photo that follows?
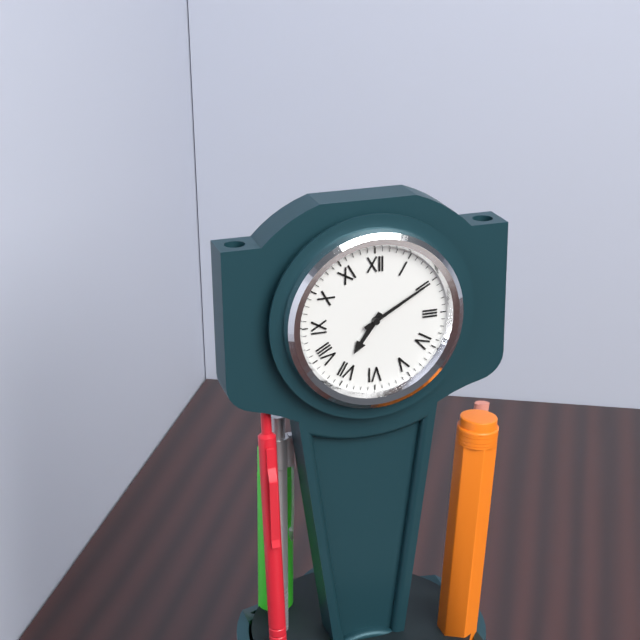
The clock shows 7:10
